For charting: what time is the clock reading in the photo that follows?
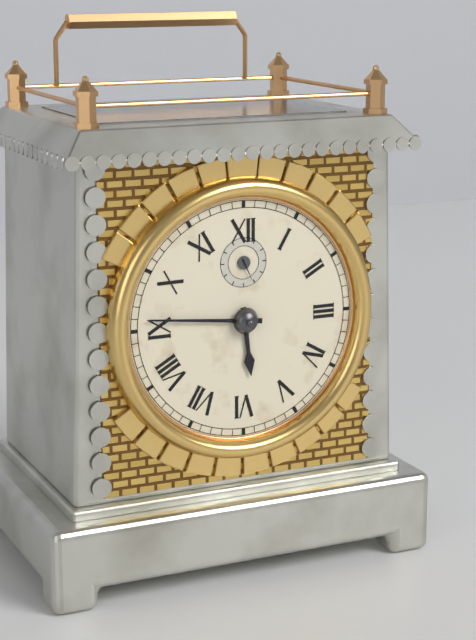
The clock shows 5:46
